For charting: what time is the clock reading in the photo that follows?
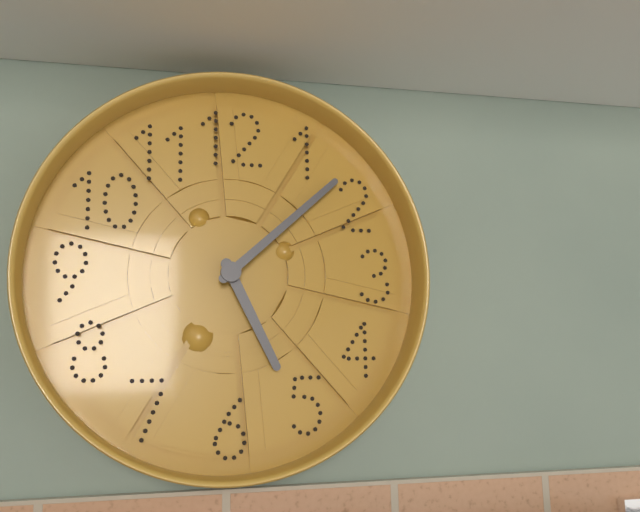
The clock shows 5:08
